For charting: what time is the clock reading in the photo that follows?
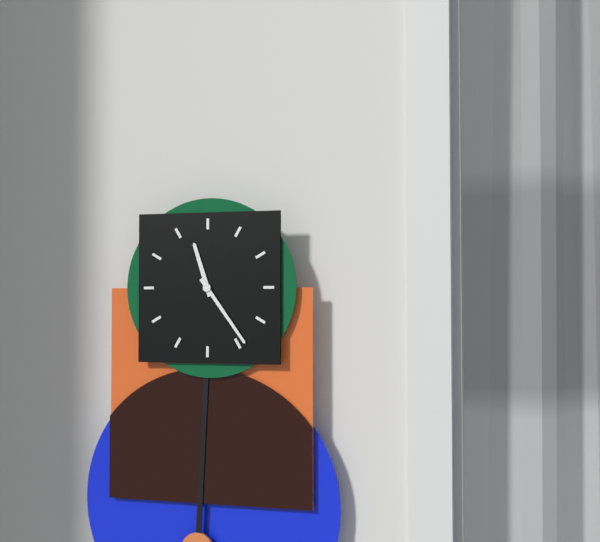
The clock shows 11:24
